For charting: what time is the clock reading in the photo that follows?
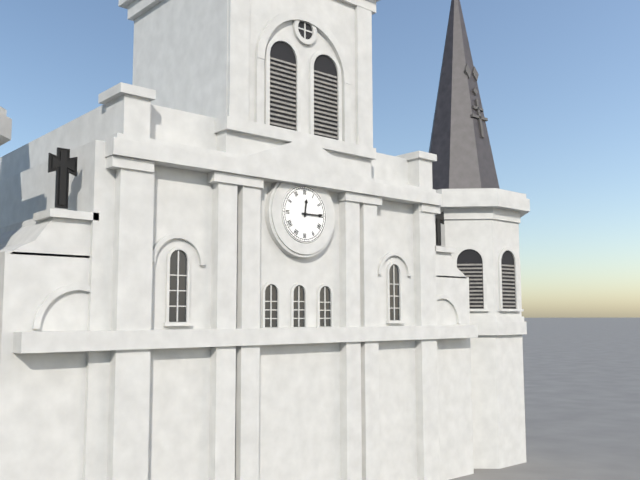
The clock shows 12:15
